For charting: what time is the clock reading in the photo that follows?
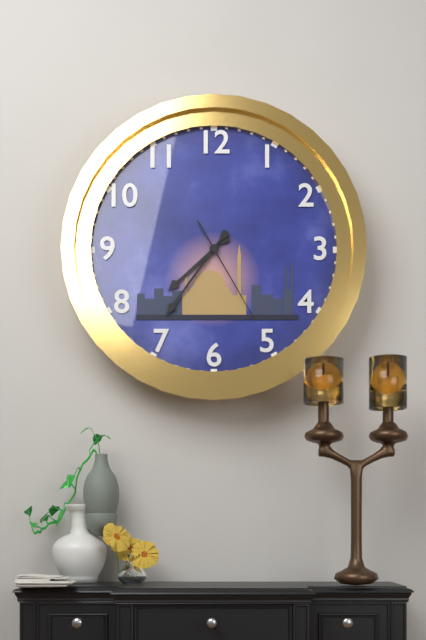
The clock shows 7:36:25
